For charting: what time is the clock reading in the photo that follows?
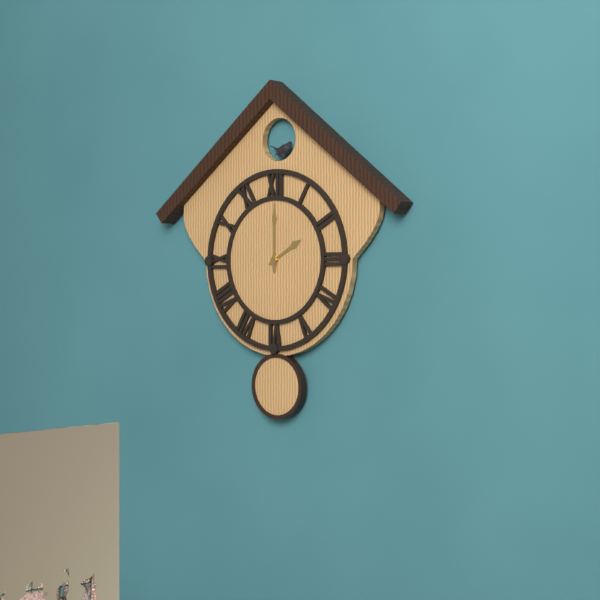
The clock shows 2:00
